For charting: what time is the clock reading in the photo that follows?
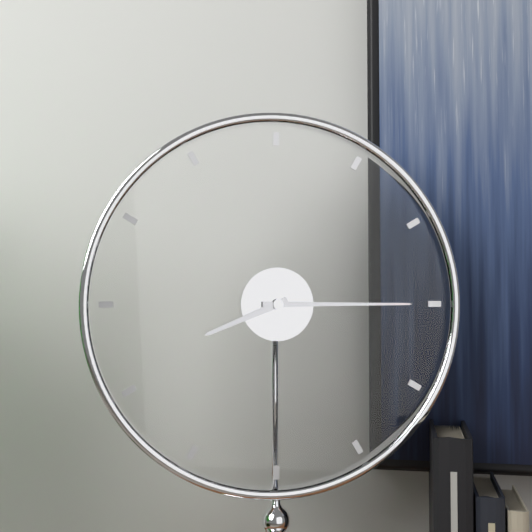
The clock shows 8:15
